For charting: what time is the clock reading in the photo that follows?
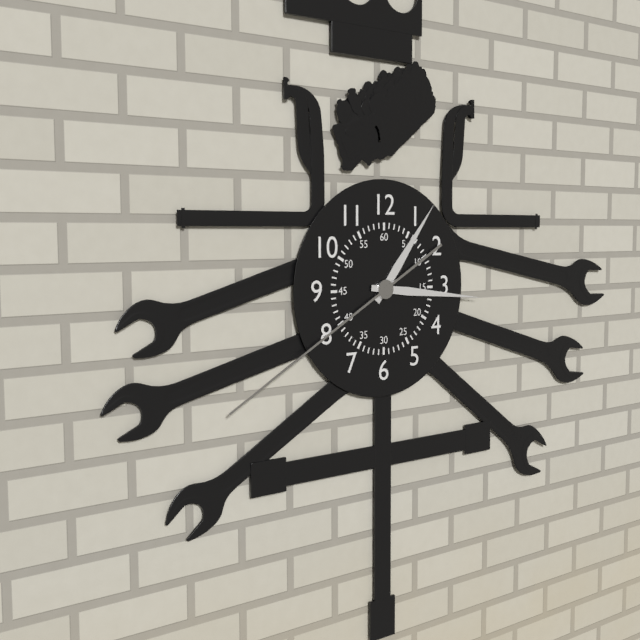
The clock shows 1:16:40
